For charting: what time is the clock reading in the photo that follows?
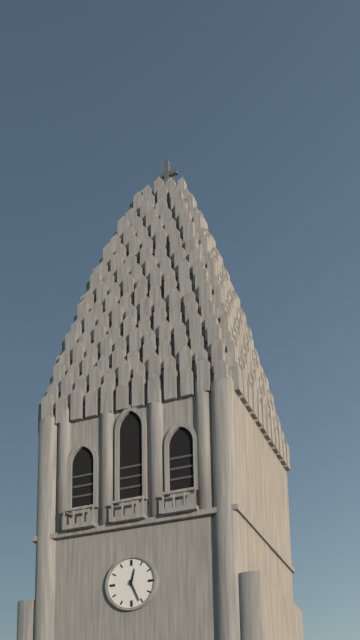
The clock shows 12:26
